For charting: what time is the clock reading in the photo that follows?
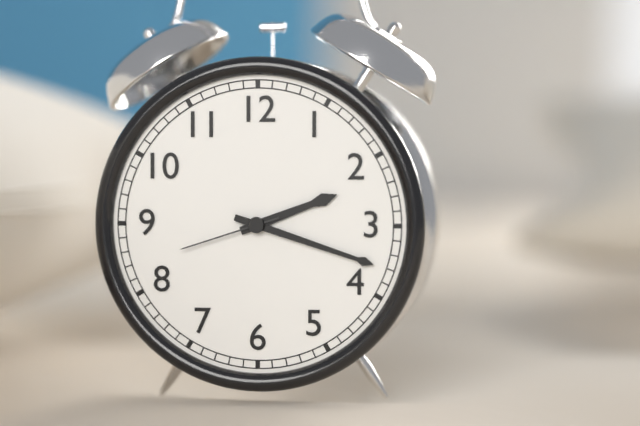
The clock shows 2:18:42
